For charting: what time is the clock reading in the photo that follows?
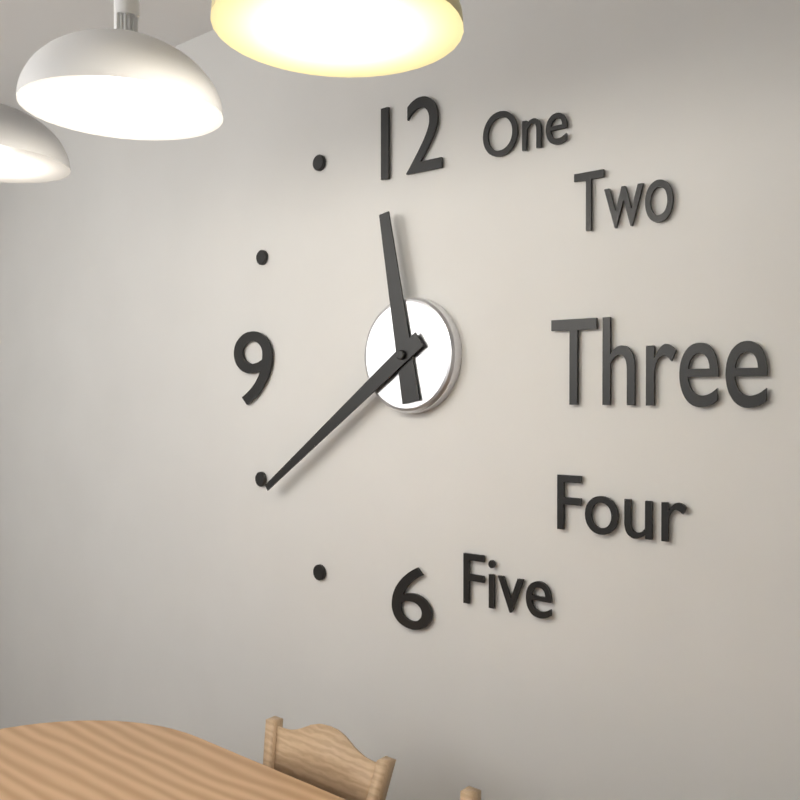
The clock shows 11:39
